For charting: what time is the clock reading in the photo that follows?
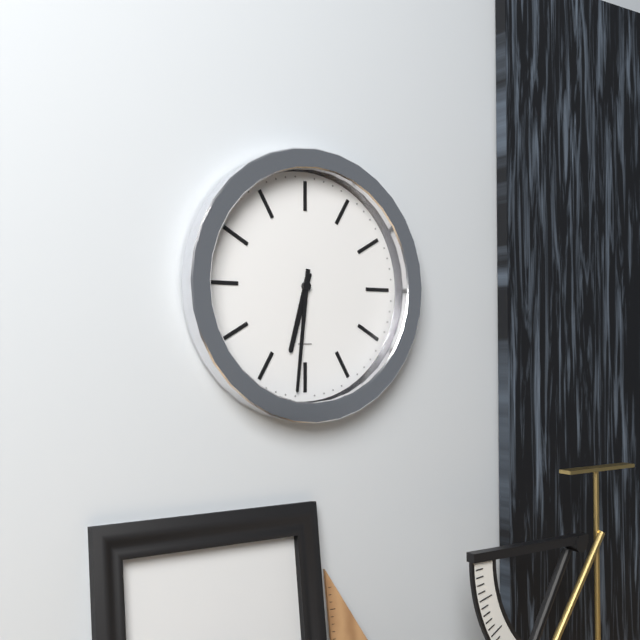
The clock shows 6:31
